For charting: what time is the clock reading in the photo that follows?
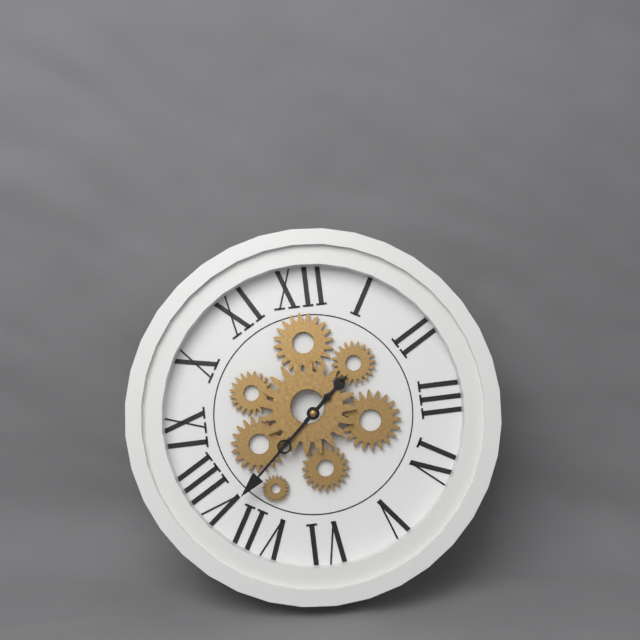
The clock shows 1:38
